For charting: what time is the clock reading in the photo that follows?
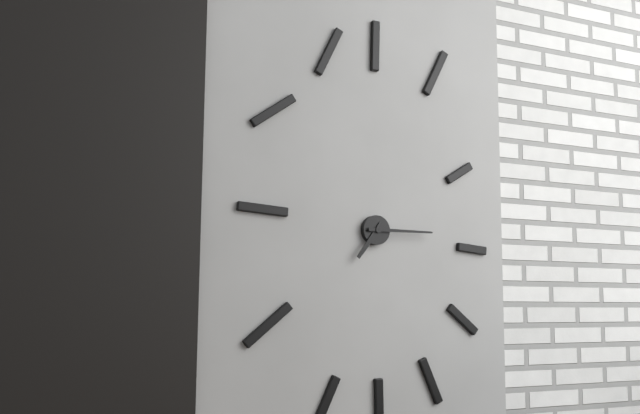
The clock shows 7:15
